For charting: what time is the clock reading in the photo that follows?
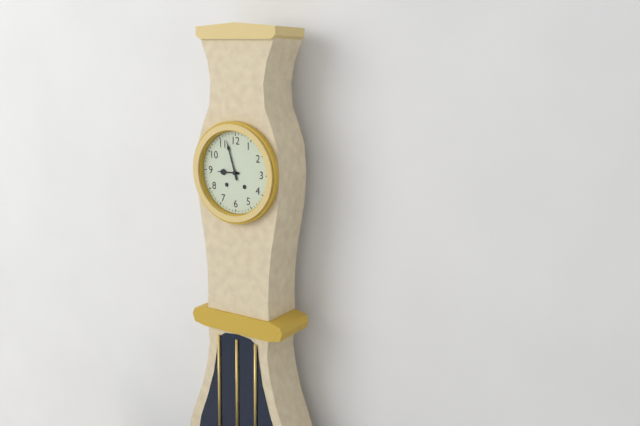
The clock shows 8:57
